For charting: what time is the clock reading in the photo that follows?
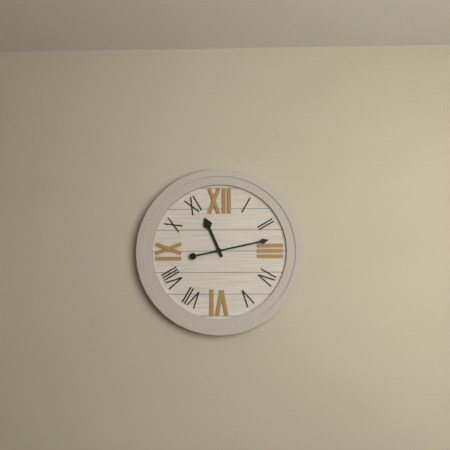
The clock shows 11:13
